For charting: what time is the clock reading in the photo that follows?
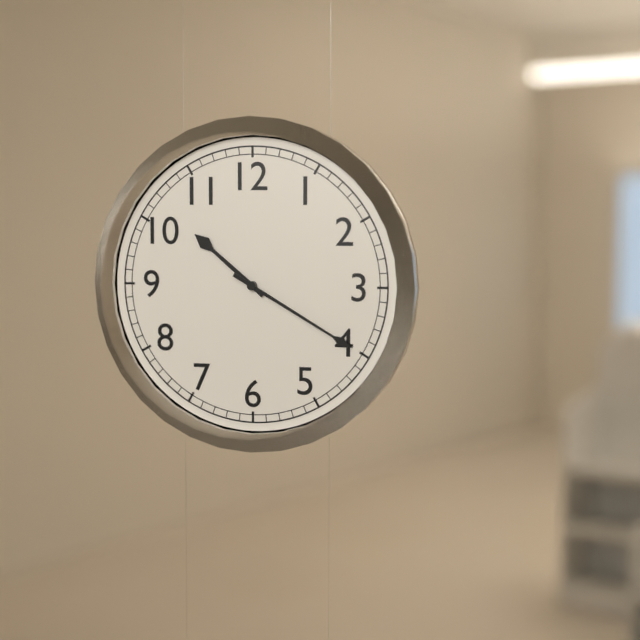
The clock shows 10:20
